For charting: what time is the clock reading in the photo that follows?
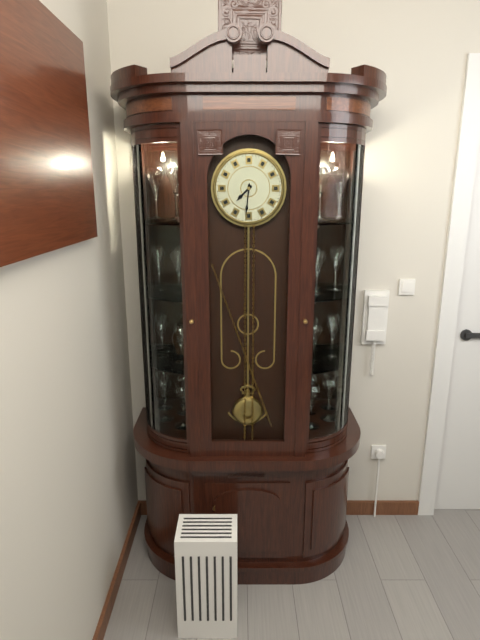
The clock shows 7:31
